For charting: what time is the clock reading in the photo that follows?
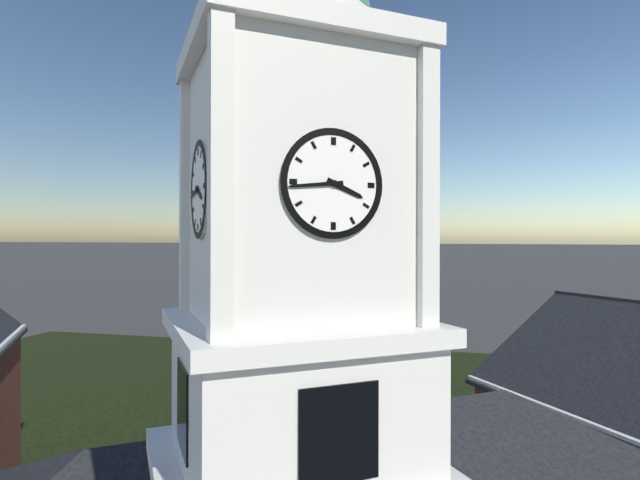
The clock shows 3:44
